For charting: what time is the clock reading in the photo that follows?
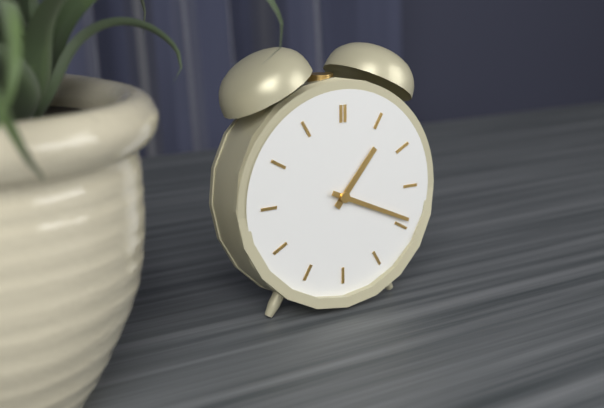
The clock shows 1:19
